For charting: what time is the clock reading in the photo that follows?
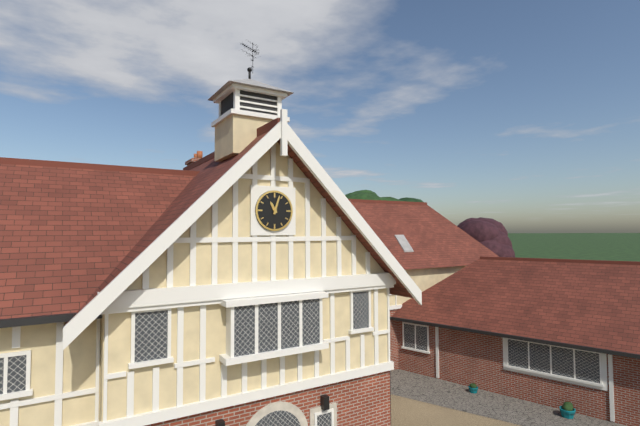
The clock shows 11:03
